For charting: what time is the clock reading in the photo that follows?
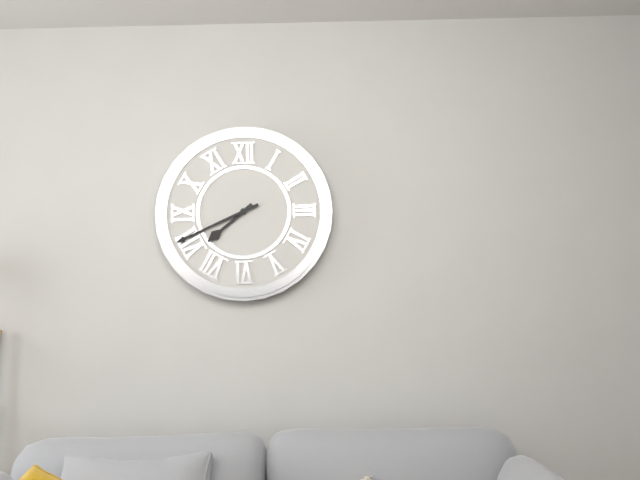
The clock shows 7:41
